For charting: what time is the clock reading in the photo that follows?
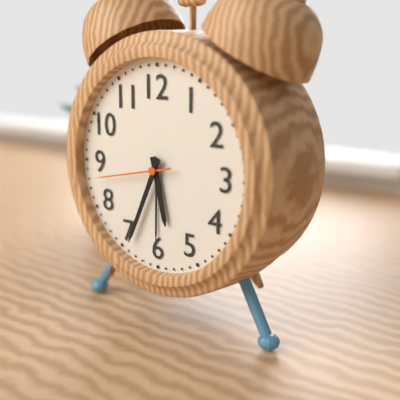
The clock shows 5:34:43
